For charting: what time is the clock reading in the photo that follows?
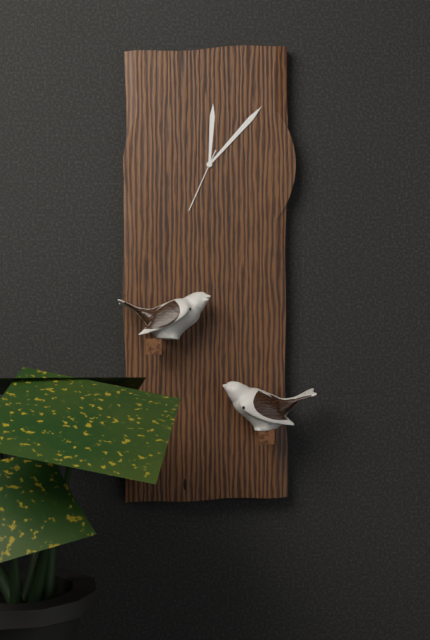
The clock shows 12:07:34
